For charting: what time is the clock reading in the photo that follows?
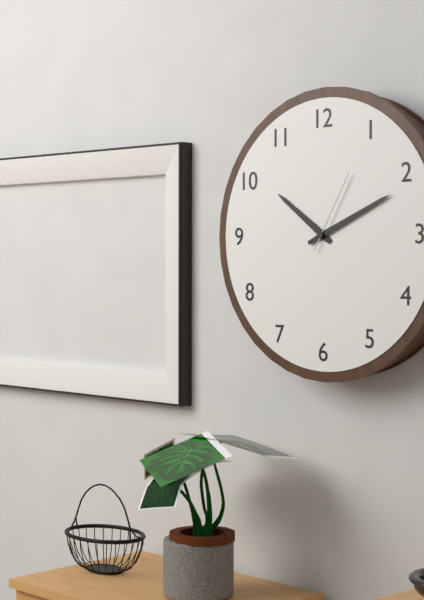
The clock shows 10:11:05
